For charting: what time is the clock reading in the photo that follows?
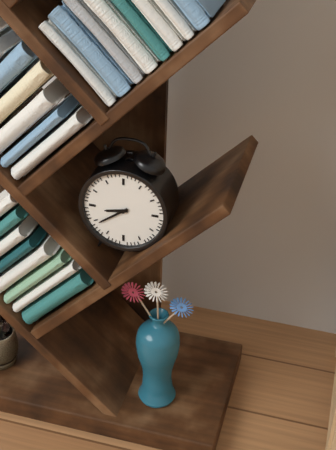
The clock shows 8:39
